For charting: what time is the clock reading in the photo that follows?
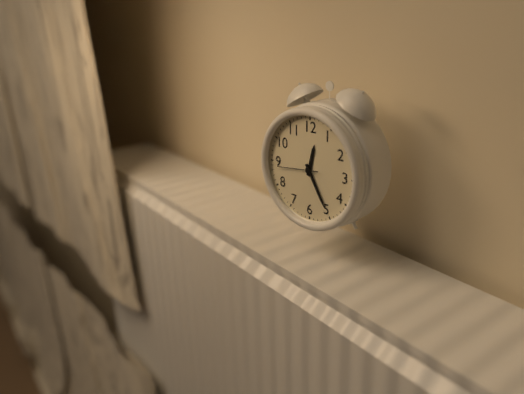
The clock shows 12:25
